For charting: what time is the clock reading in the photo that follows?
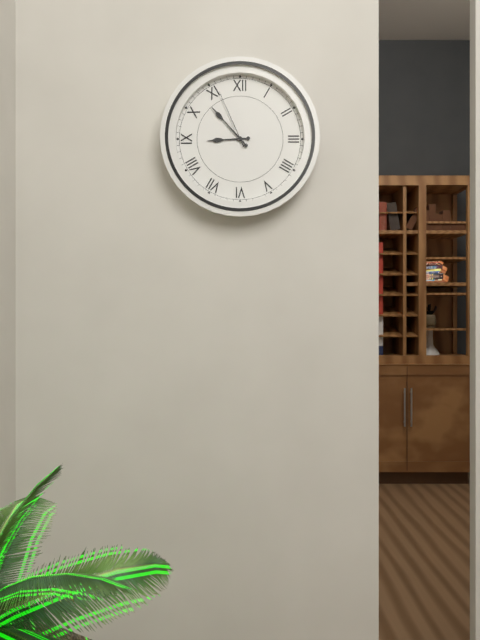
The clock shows 8:53:56
